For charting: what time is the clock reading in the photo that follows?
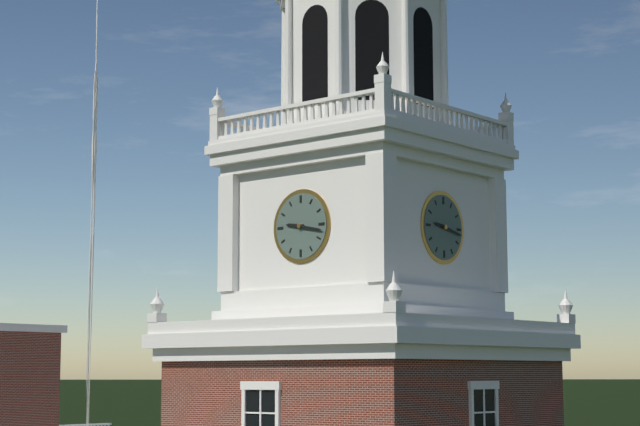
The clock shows 9:17
